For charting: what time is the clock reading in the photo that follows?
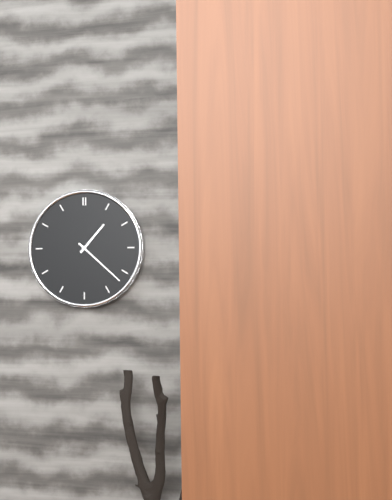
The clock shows 1:22
